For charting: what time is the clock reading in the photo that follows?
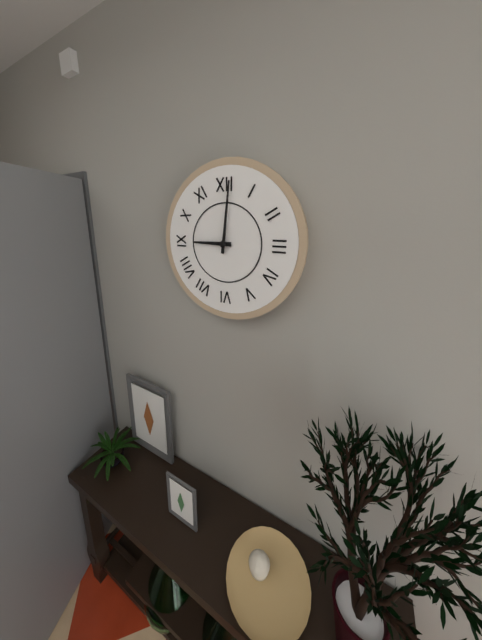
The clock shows 9:01
